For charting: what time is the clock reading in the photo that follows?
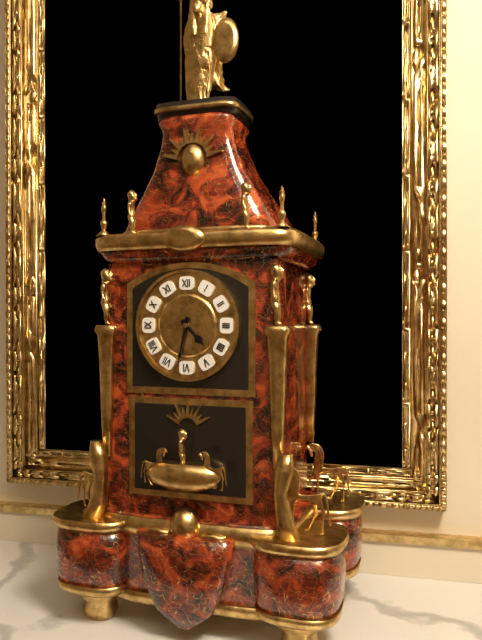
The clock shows 4:32
